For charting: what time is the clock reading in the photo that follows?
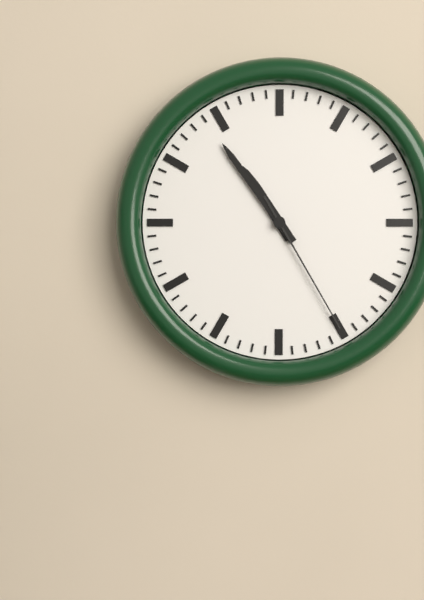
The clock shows 10:54:25
